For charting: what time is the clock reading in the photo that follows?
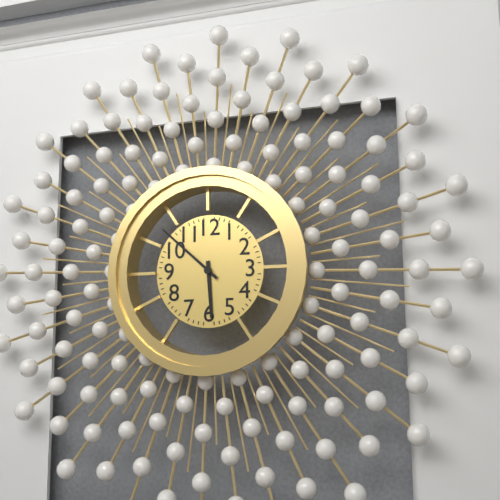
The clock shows 5:52
